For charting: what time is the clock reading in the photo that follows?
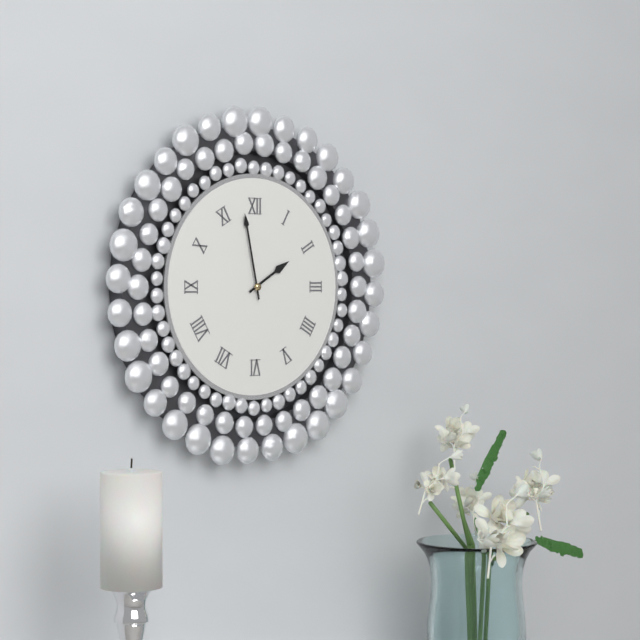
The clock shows 1:58
